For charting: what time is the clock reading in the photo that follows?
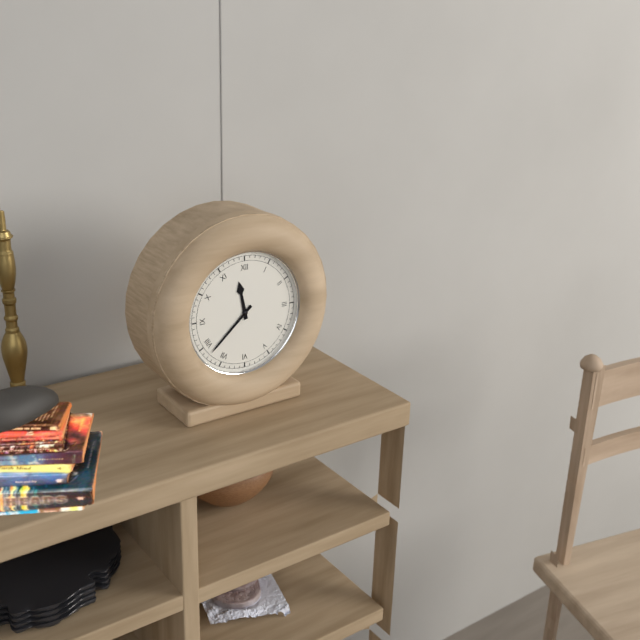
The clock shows 11:38
